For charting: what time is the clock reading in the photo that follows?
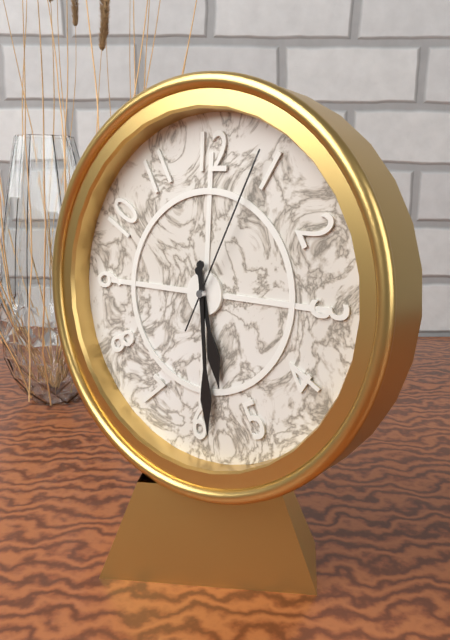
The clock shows 5:29:04
